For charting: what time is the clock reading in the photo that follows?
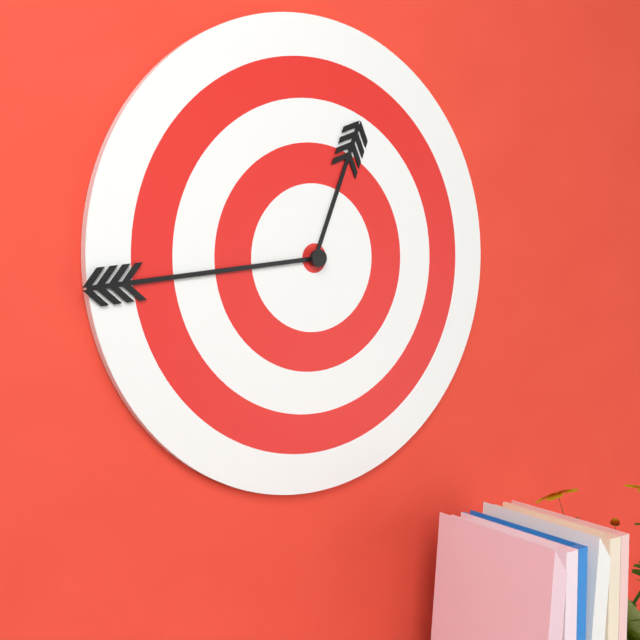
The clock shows 12:44
